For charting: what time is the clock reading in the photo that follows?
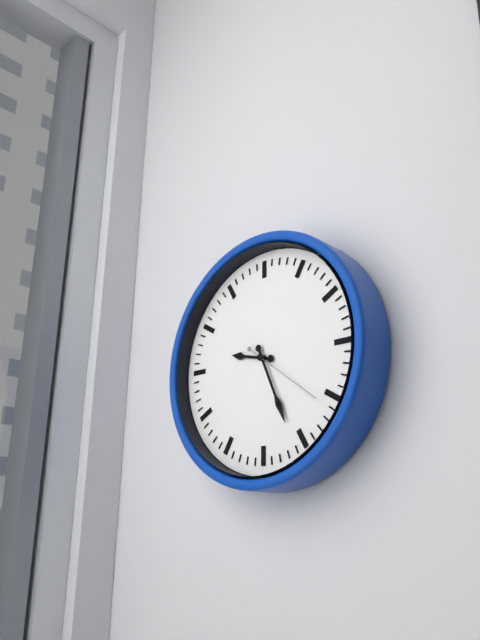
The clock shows 9:26:21
